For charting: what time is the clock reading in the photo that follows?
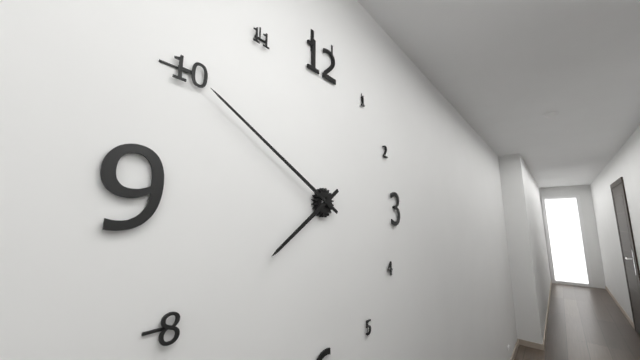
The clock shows 7:50
